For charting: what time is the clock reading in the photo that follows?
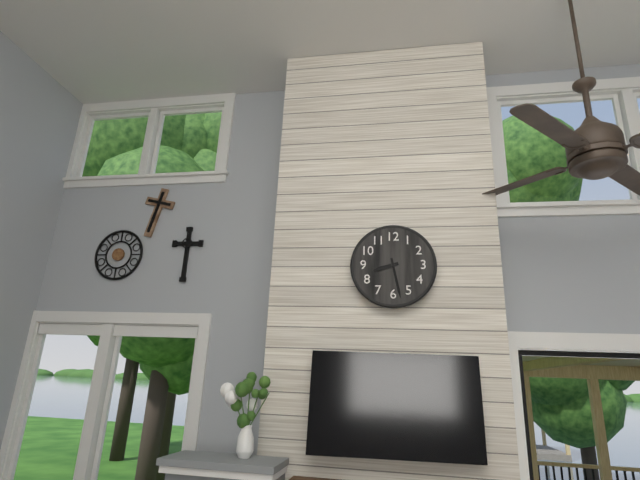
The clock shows 8:28
